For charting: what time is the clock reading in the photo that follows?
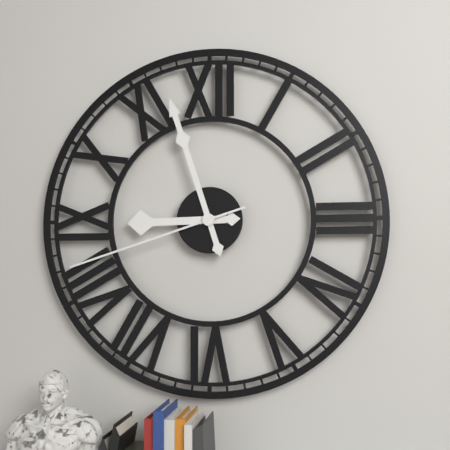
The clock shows 8:57:42
